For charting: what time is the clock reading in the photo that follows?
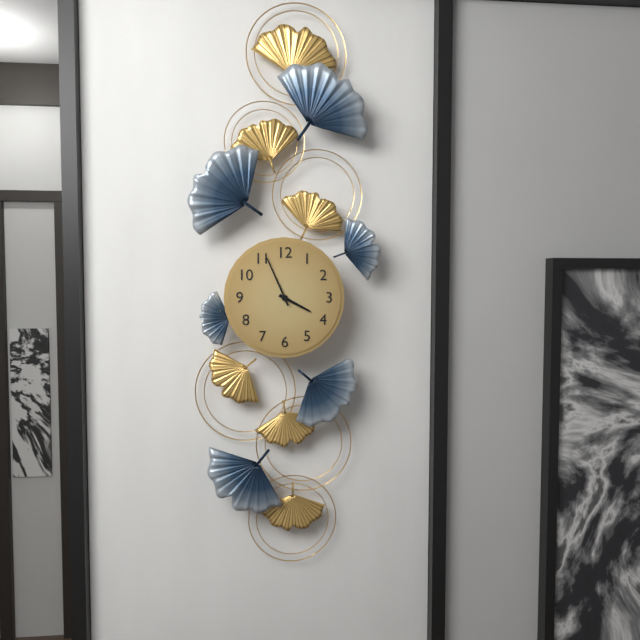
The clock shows 3:56
